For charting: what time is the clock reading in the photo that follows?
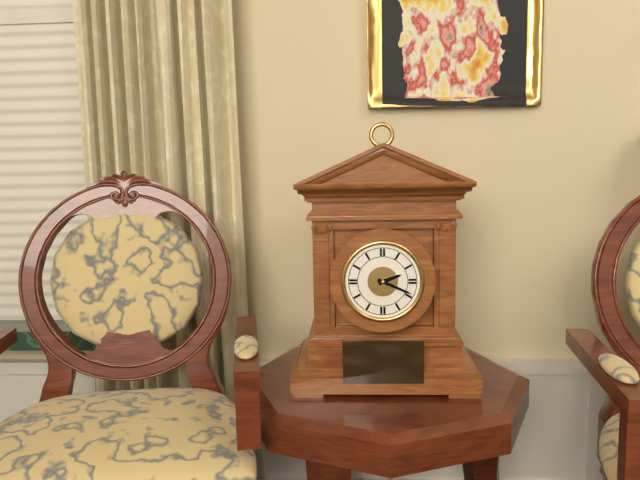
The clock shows 2:19
